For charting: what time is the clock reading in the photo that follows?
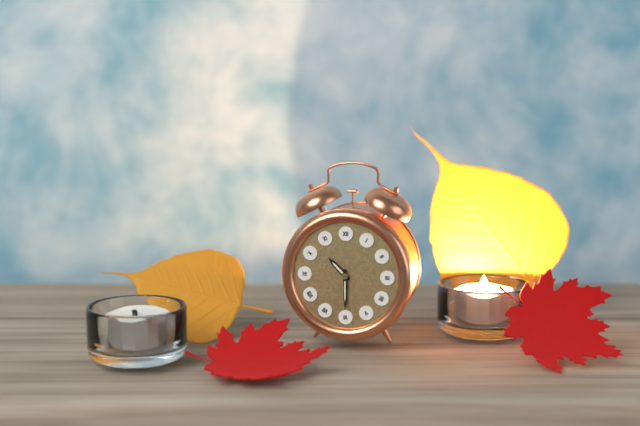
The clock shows 10:30
